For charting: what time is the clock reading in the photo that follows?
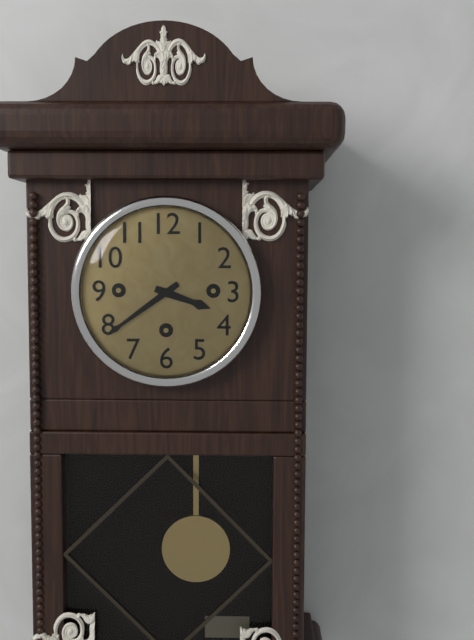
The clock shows 3:39
